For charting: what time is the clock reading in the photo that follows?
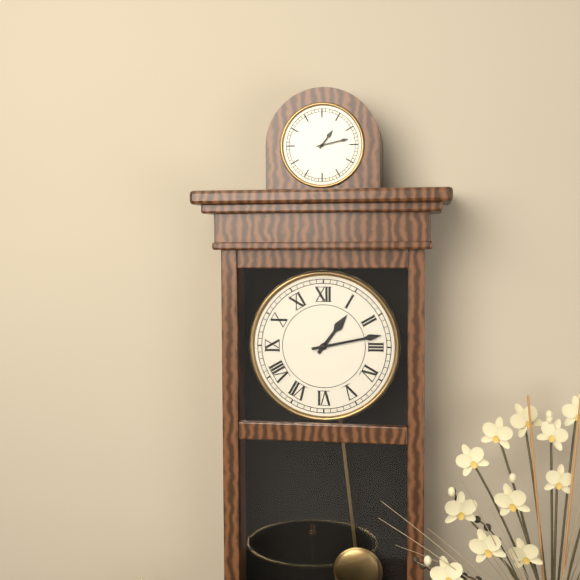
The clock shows 1:13
